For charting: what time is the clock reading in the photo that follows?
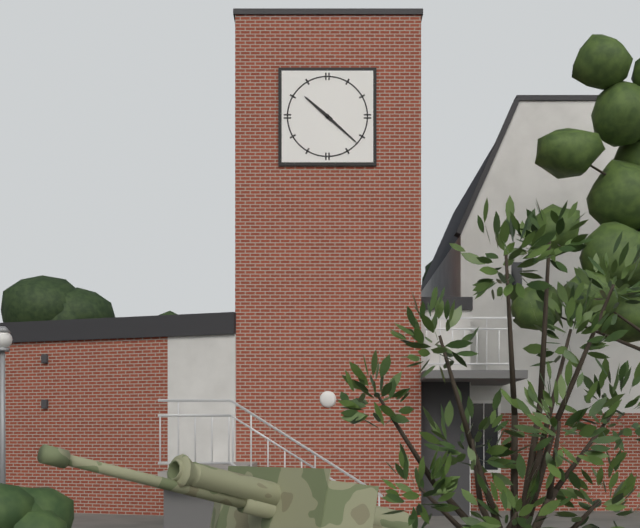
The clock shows 10:22
